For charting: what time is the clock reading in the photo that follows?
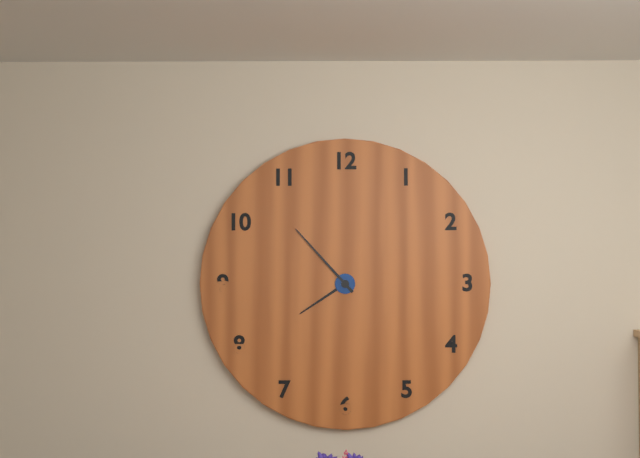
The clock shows 7:53
